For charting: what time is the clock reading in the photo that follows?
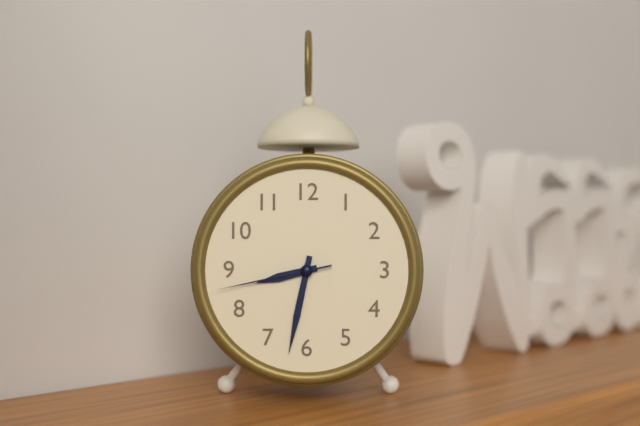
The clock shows 8:32:43
